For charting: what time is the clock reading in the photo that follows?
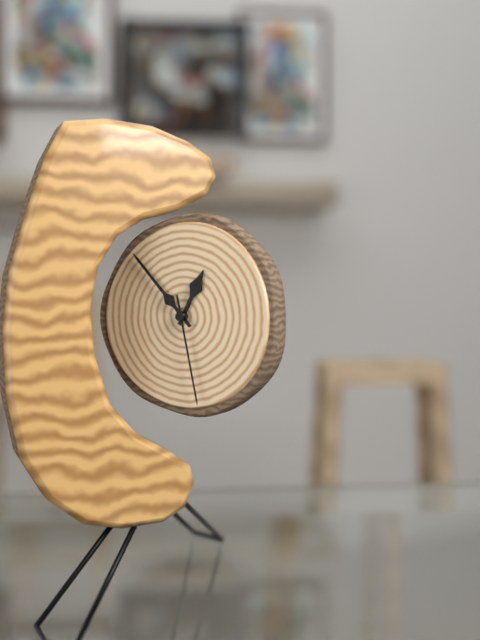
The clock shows 12:53:28
